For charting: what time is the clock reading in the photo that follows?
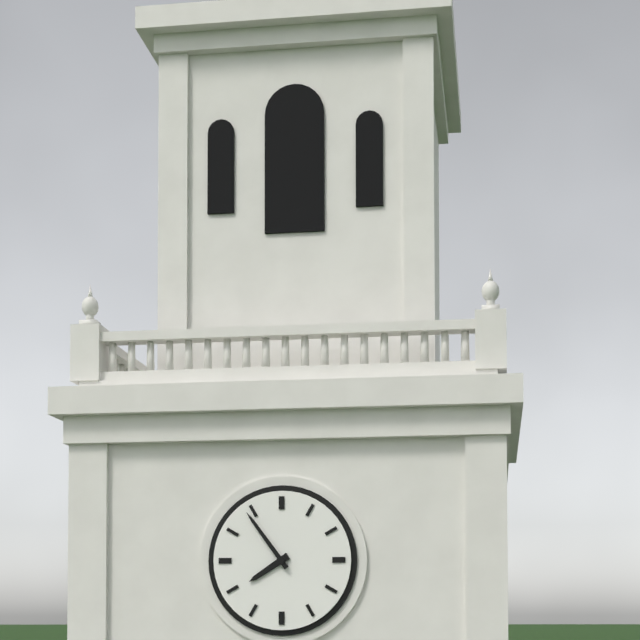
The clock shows 7:54
